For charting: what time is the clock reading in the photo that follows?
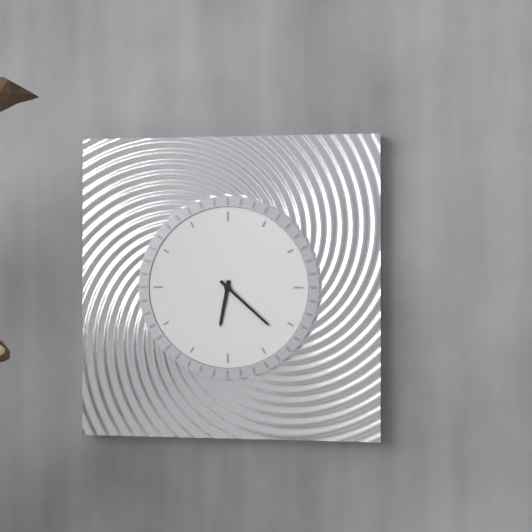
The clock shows 6:22
